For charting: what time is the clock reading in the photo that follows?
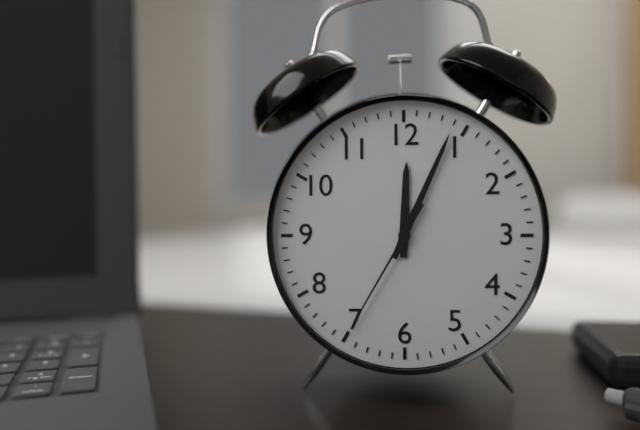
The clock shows 12:04:35
